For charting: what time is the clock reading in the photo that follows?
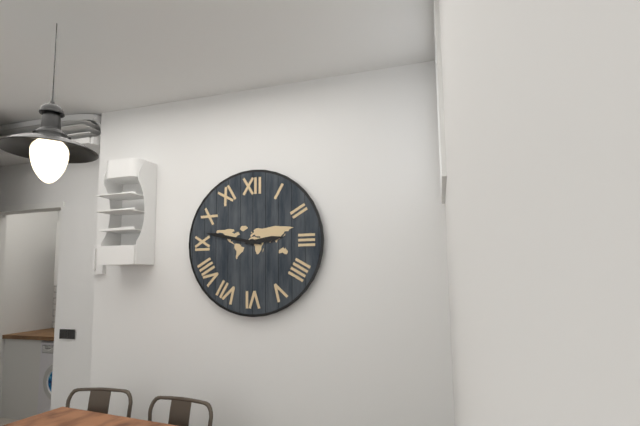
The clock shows 2:47
